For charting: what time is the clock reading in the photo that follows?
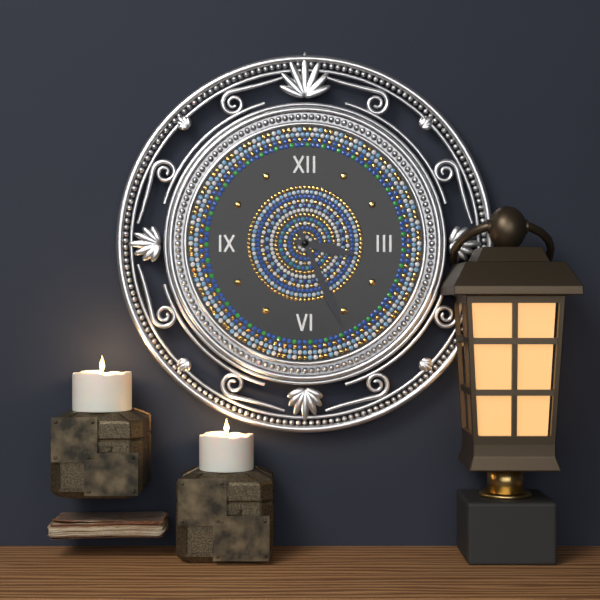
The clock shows 3:26
